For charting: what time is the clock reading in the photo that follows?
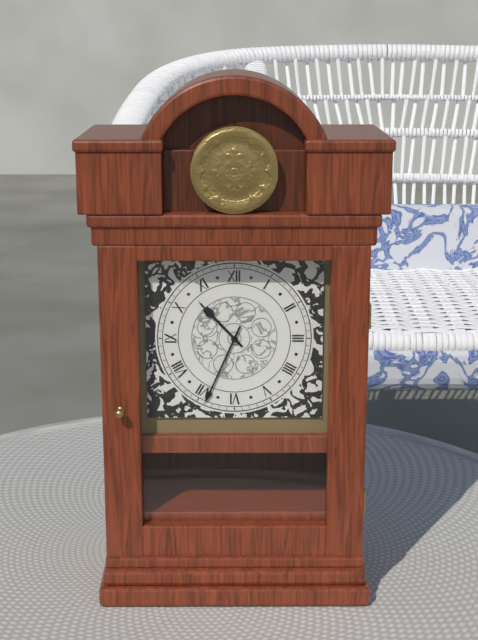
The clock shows 10:34
